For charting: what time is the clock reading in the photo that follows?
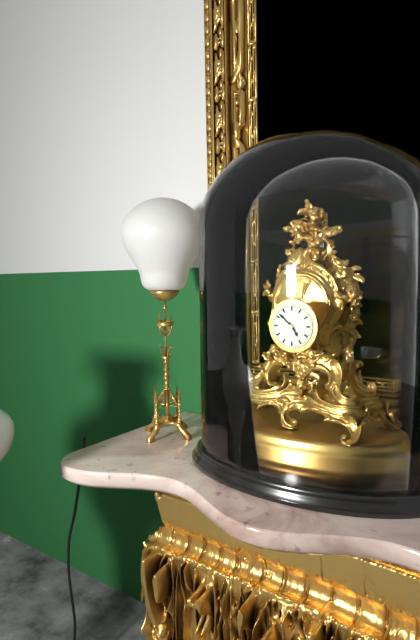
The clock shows 4:52
